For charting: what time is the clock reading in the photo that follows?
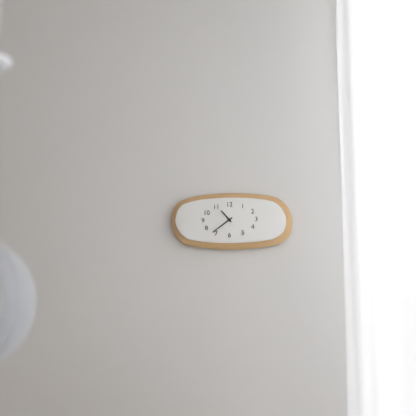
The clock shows 10:39
